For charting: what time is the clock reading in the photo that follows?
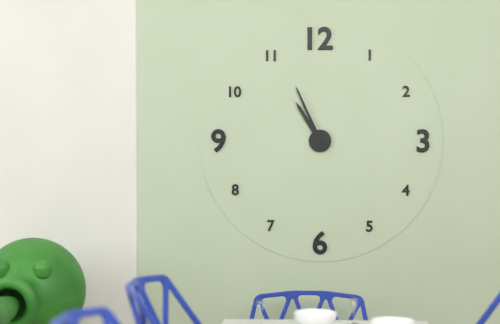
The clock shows 10:56
